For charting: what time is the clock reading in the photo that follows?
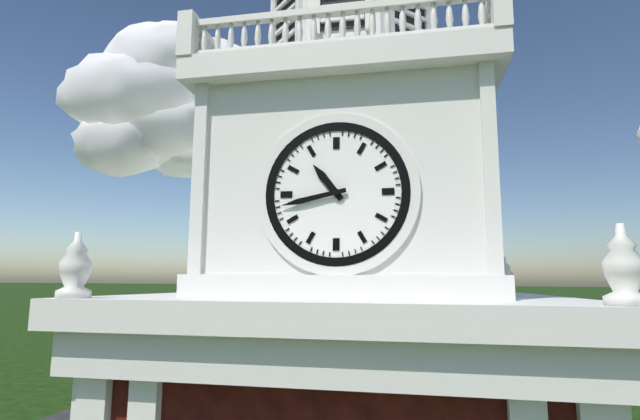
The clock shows 10:43
